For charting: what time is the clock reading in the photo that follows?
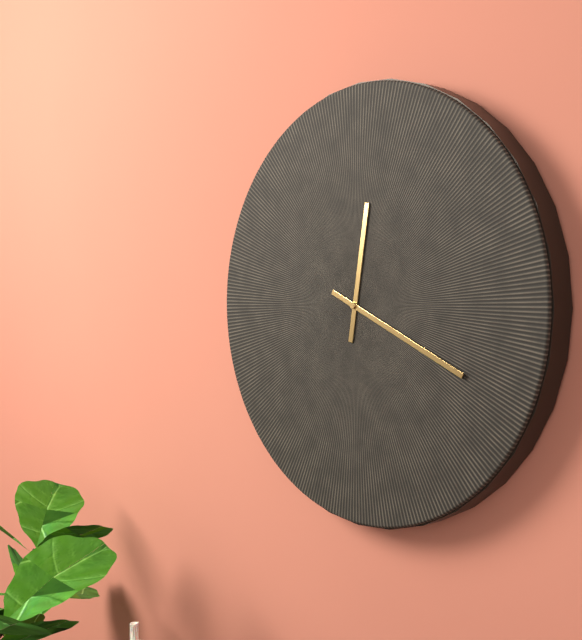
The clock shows 12:19
